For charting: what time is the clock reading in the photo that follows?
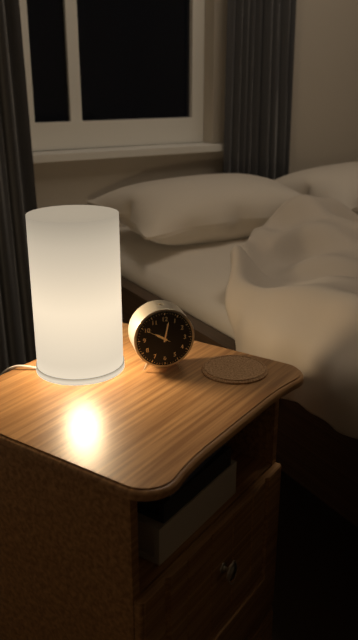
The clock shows 10:02
